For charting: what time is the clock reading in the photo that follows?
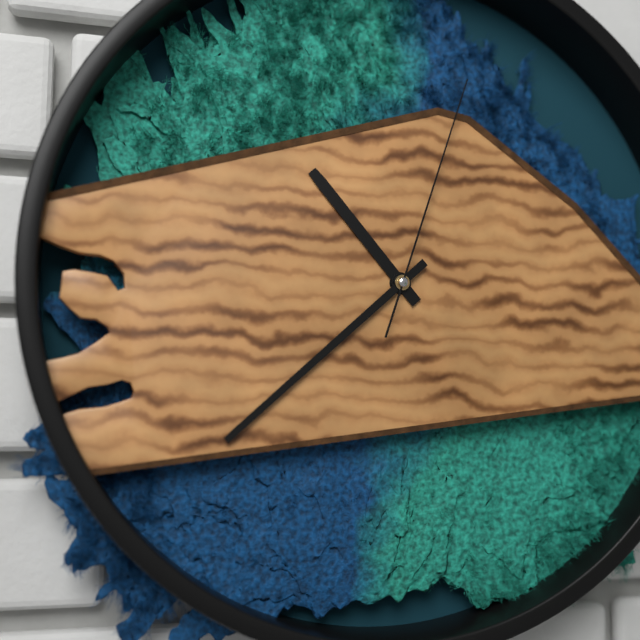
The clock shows 10:38:03
